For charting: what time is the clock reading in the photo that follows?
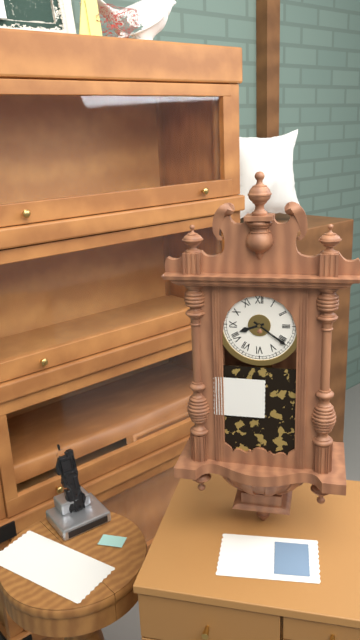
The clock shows 8:21
